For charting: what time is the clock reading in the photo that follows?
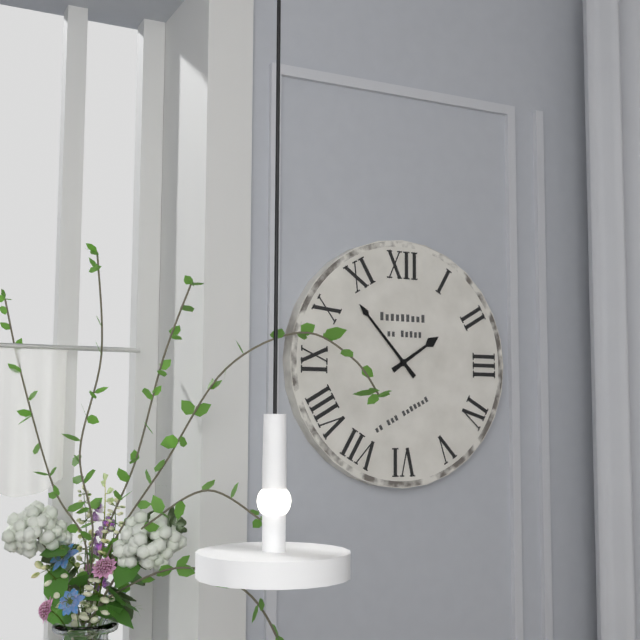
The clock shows 1:53
